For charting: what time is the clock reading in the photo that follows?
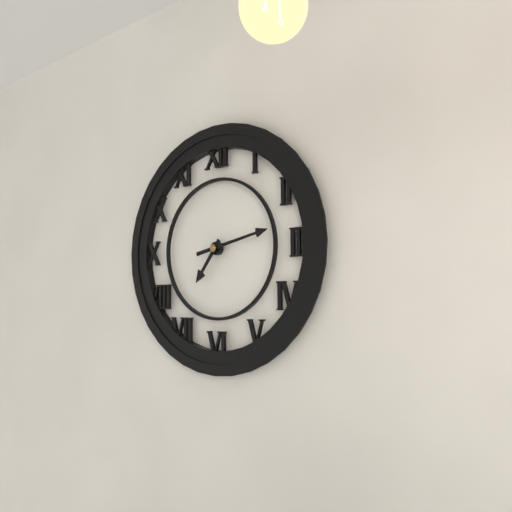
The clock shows 7:13
